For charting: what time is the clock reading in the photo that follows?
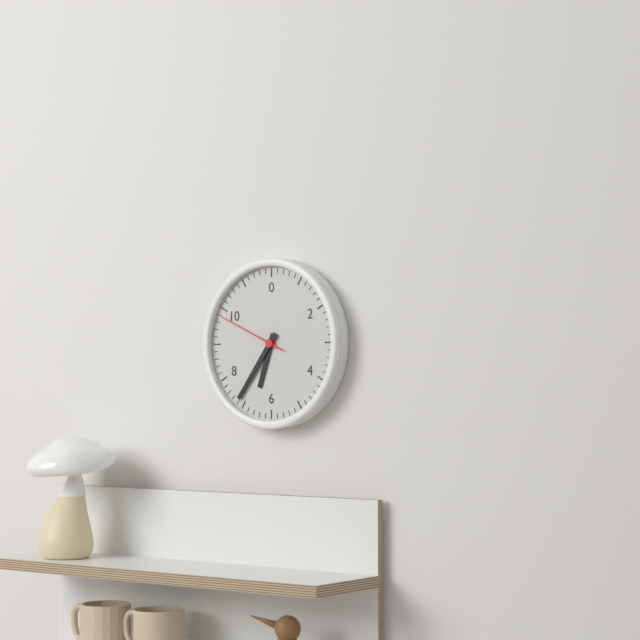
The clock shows 6:36:49
